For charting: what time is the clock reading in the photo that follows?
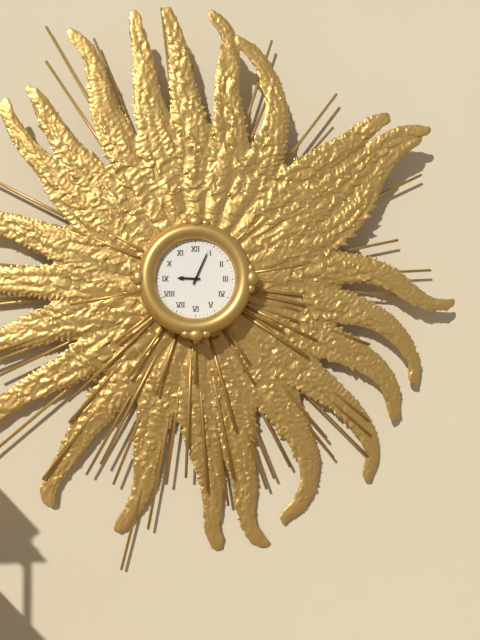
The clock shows 9:04
